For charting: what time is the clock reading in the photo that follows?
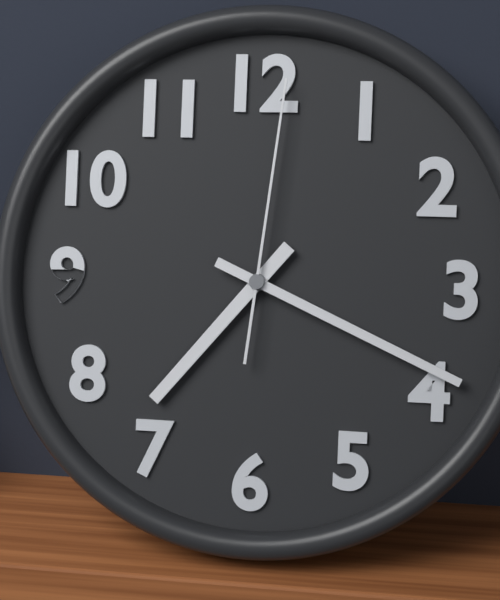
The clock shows 7:19:01
